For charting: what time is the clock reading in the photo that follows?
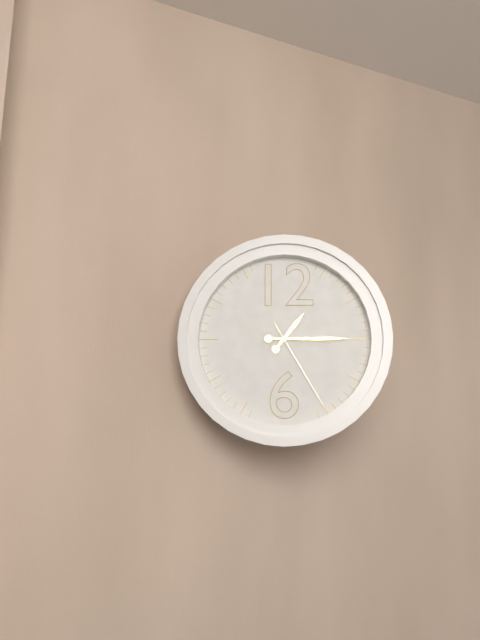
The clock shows 1:15:25
